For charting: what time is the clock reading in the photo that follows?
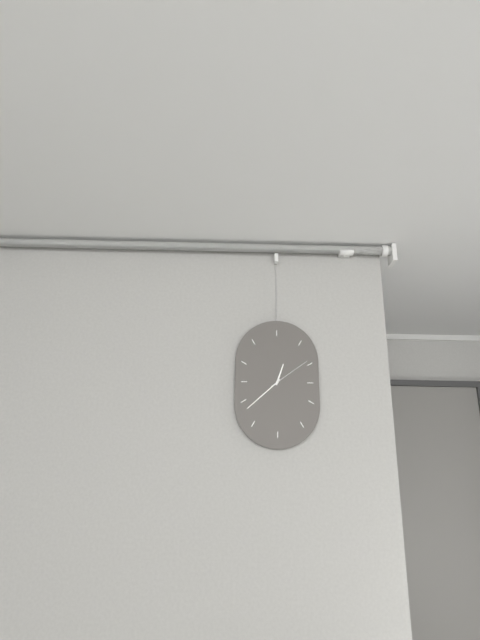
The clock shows 12:38
